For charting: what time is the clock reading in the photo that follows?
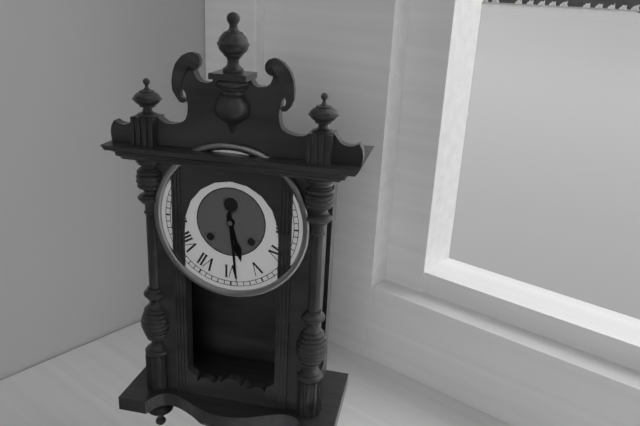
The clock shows 5:29
